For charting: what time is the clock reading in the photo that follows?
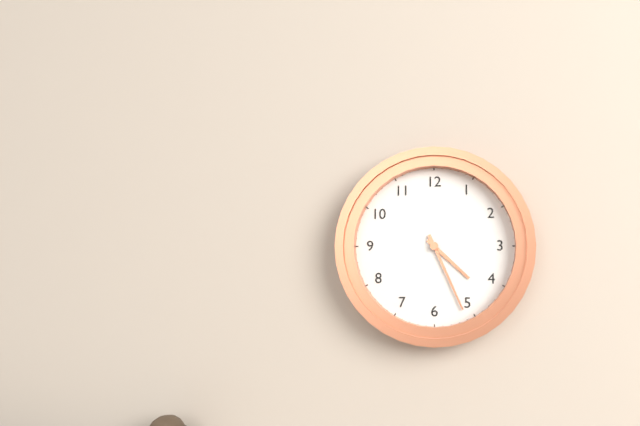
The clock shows 4:26
